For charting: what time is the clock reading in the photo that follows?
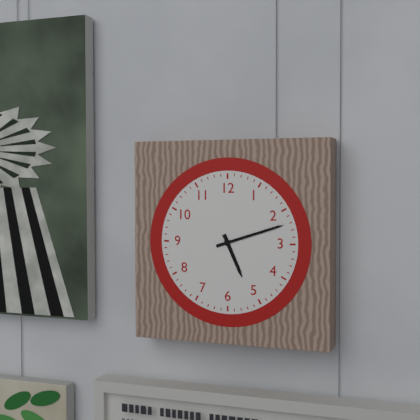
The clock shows 5:12
